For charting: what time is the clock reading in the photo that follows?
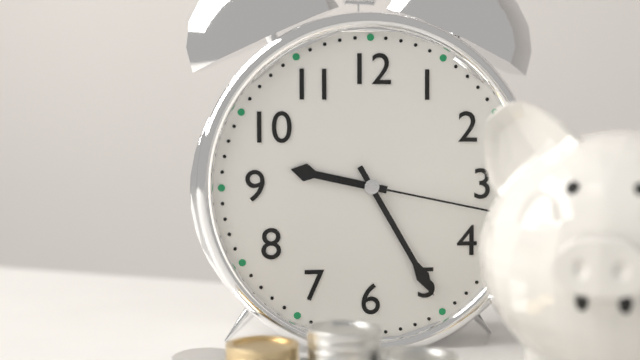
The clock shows 9:25:17
